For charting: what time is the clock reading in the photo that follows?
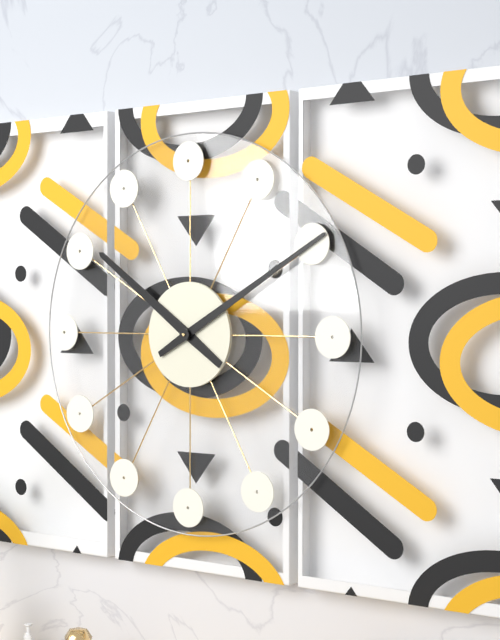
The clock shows 10:10
